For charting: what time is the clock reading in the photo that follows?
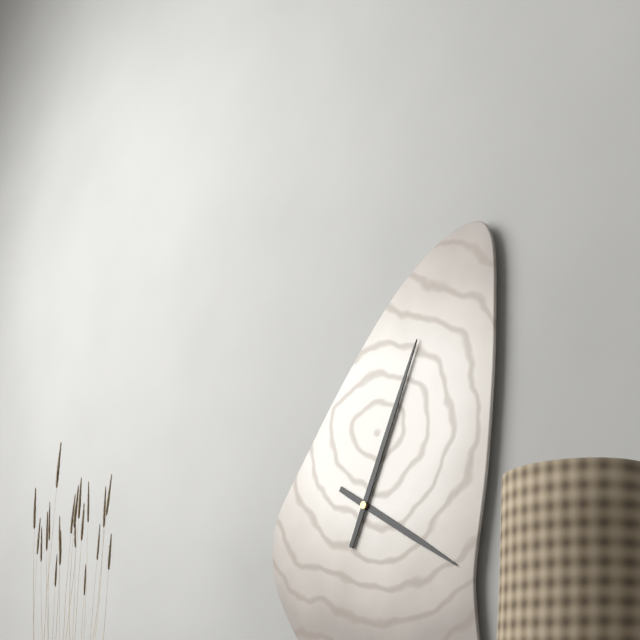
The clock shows 4:04
